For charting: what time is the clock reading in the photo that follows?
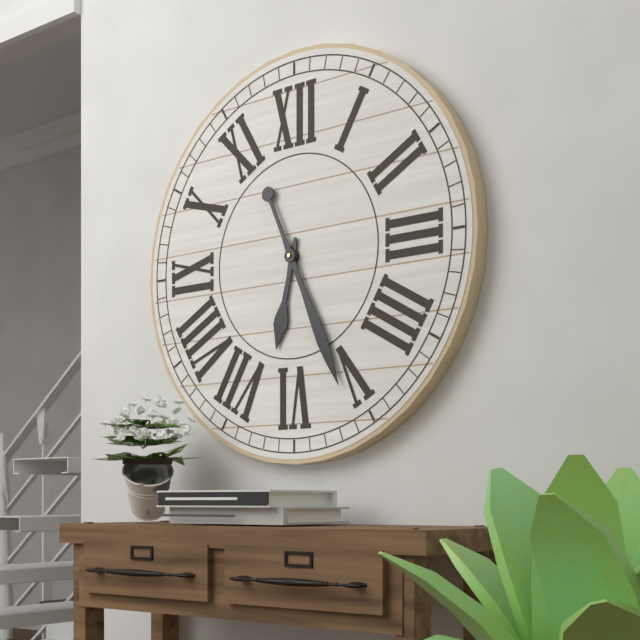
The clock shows 6:26
